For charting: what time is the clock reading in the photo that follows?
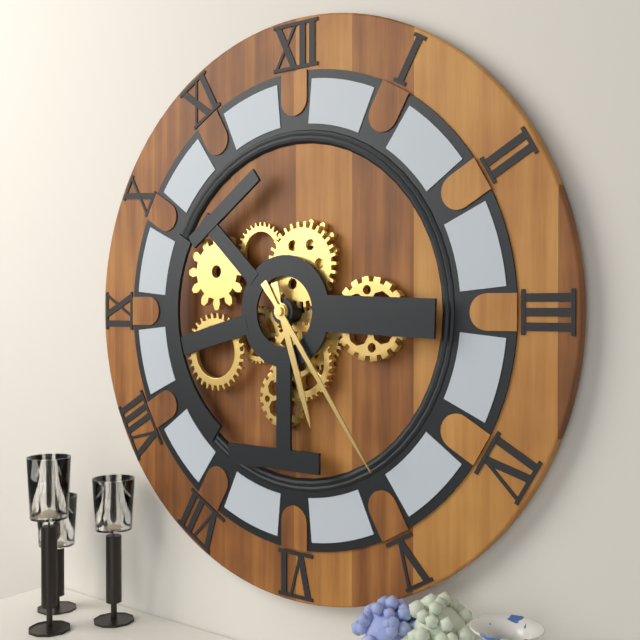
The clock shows 5:24
